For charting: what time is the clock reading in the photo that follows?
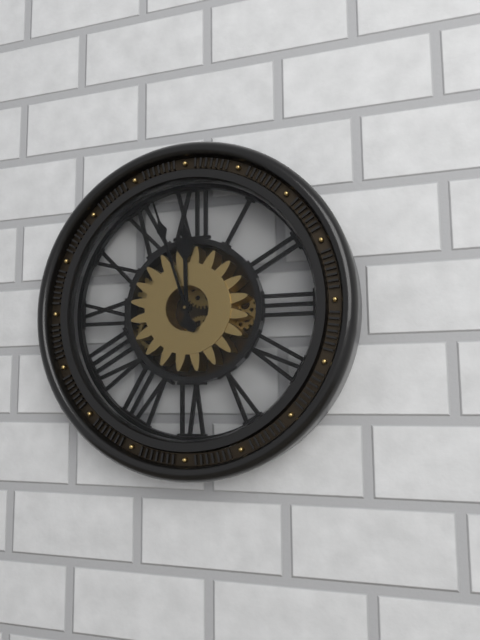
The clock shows 11:57
